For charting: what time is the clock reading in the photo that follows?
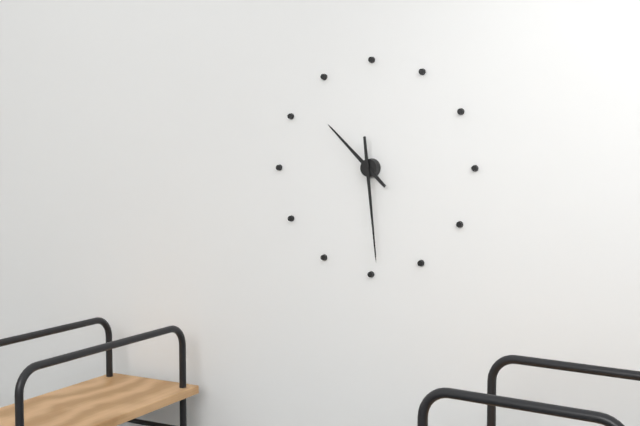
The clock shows 10:29
